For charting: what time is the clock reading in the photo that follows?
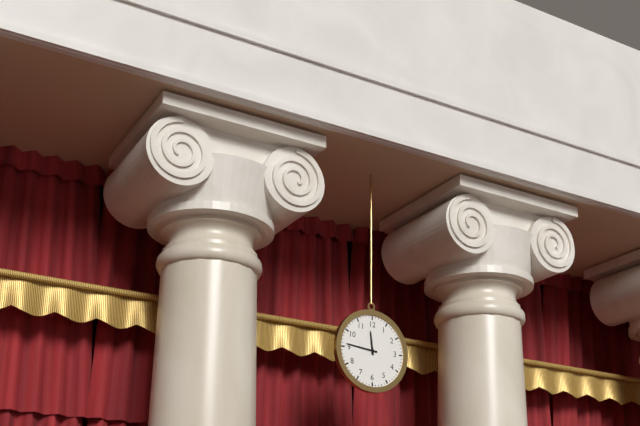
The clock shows 11:46
